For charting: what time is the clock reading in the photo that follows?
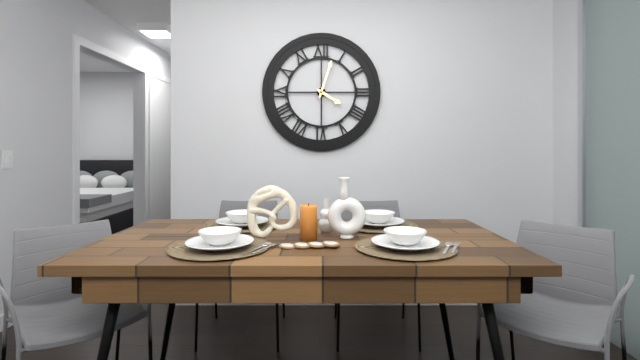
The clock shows 4:03
